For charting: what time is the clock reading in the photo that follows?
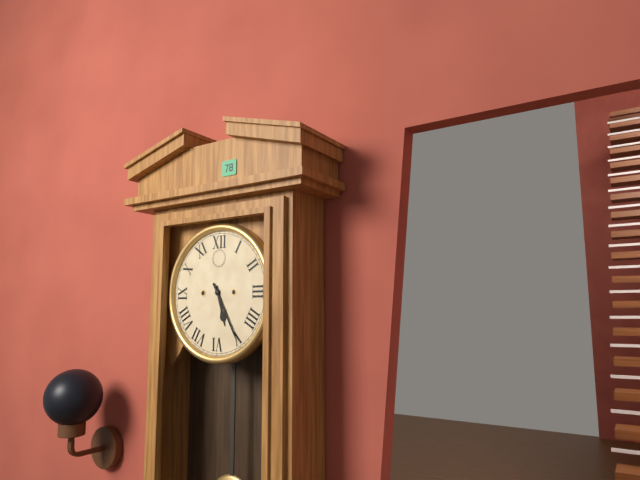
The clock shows 5:25
